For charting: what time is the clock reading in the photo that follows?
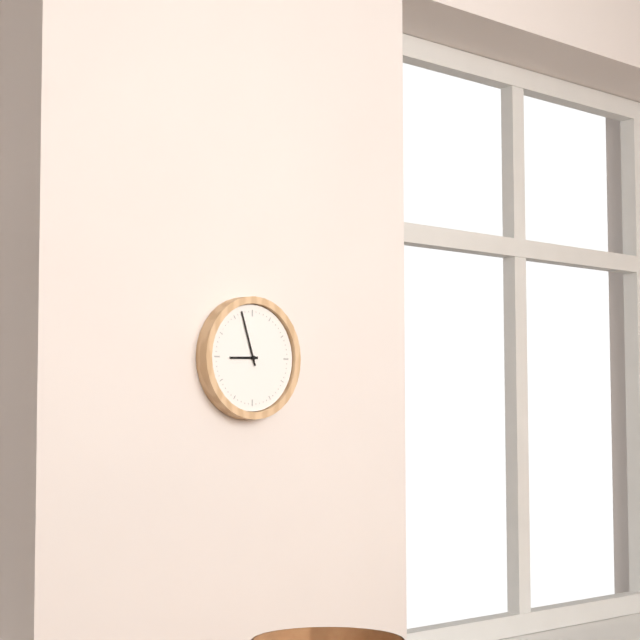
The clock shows 8:57
